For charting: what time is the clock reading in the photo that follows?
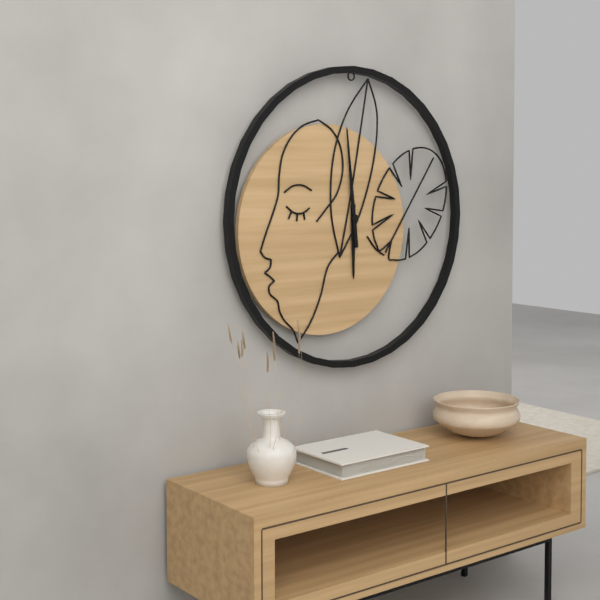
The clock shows 5:59
